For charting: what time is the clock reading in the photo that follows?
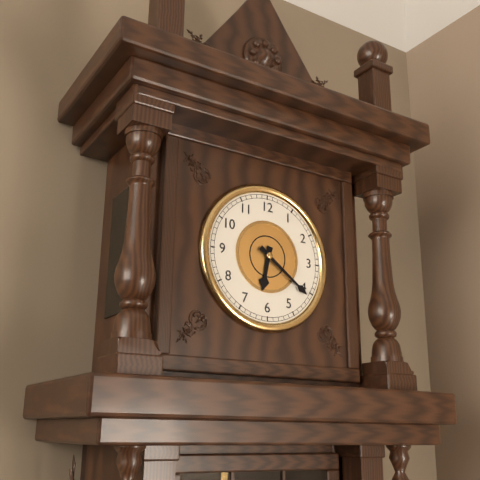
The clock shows 6:21
